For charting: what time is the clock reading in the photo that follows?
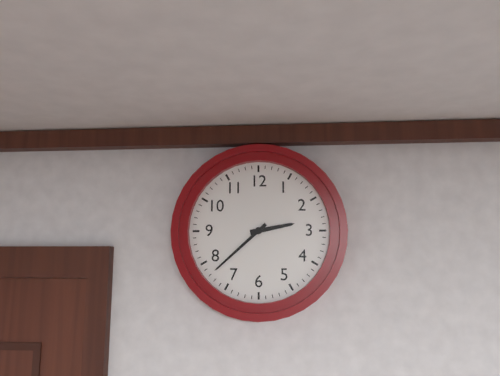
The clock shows 2:38
